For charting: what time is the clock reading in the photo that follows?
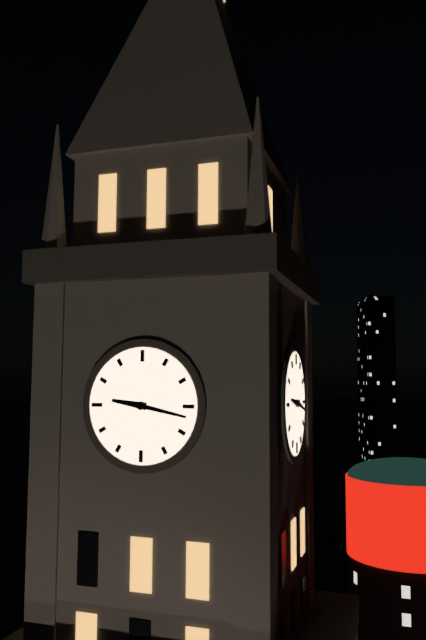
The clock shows 9:17
